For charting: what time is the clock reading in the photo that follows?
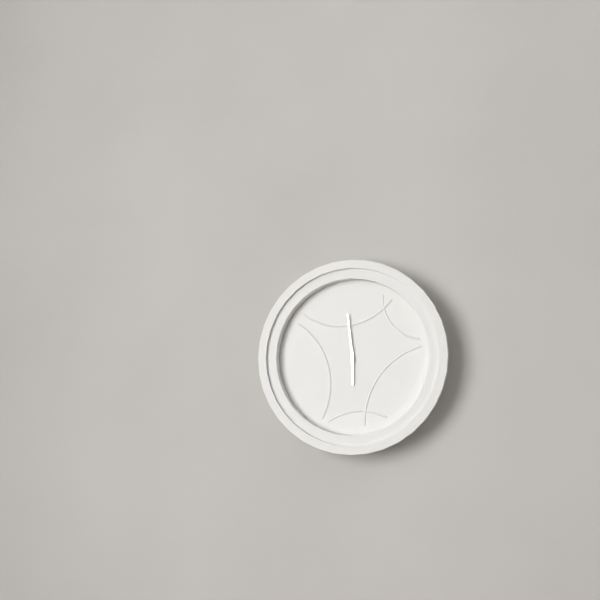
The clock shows 5:59
